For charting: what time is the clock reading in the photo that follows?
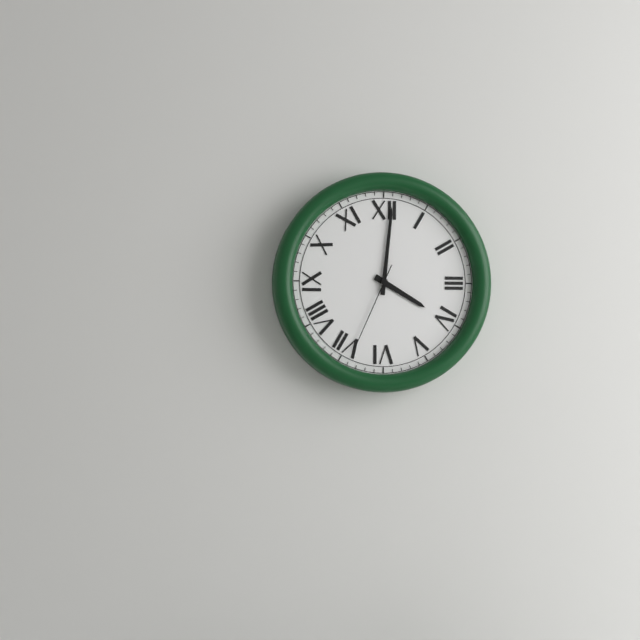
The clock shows 4:01:34
